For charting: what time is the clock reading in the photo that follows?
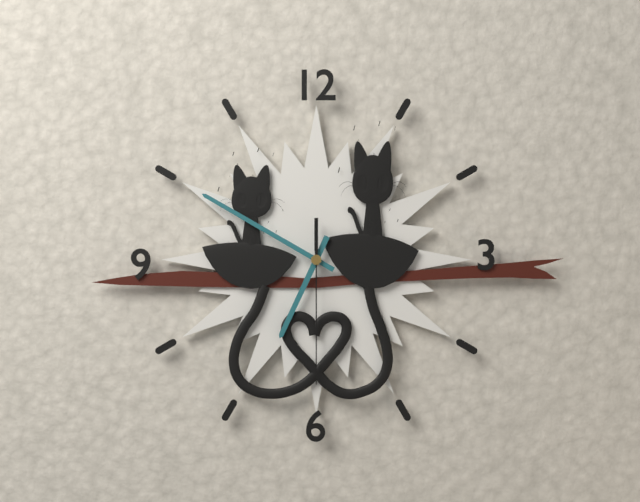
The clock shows 6:50:30
